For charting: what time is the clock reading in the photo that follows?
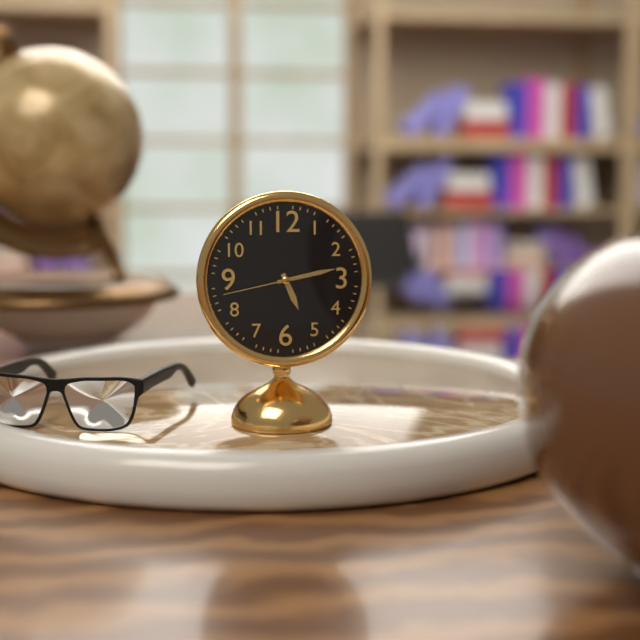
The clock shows 5:13:43
